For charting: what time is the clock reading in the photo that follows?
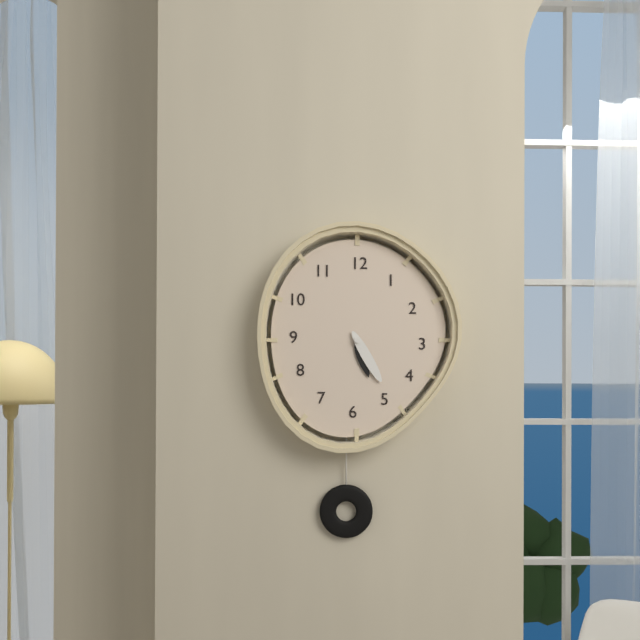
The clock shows 5:25
